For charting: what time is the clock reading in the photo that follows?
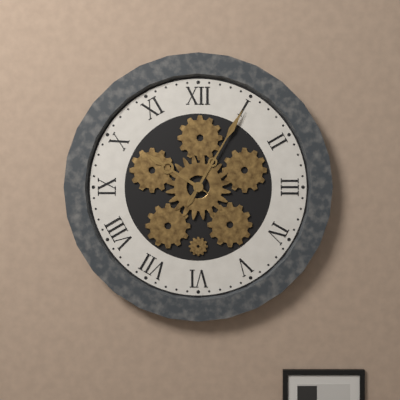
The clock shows 10:05
